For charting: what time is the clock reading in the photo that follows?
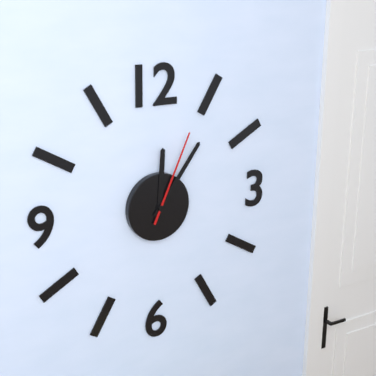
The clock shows 12:06:04
